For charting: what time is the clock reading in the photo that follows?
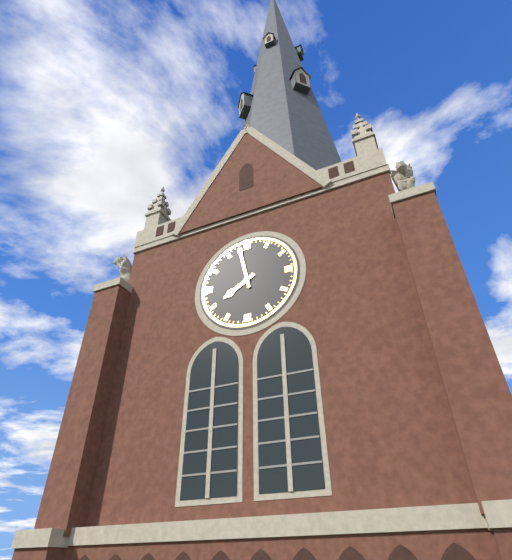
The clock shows 7:58
